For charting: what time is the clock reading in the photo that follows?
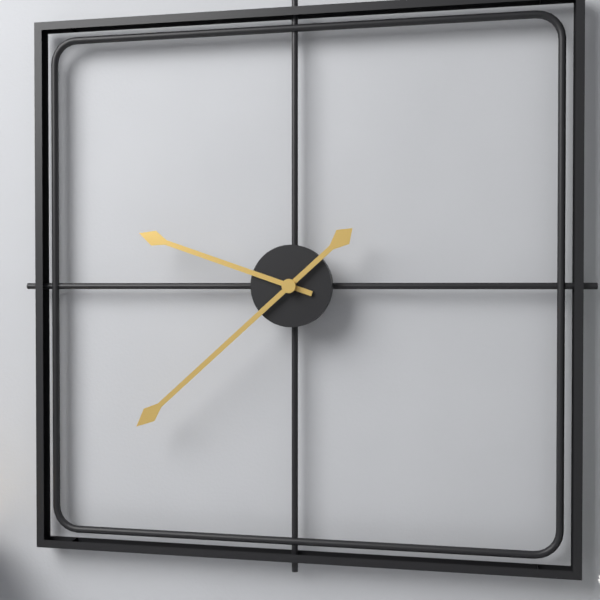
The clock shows 9:38
